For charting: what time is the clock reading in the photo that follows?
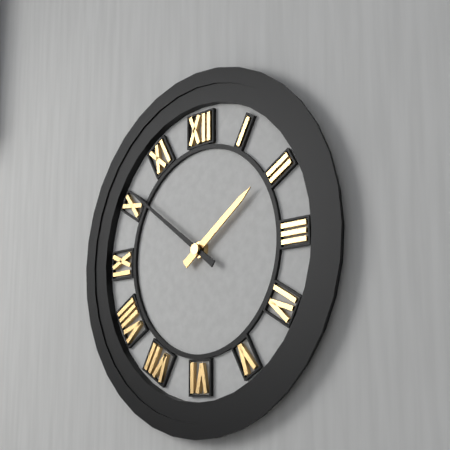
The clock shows 1:51
